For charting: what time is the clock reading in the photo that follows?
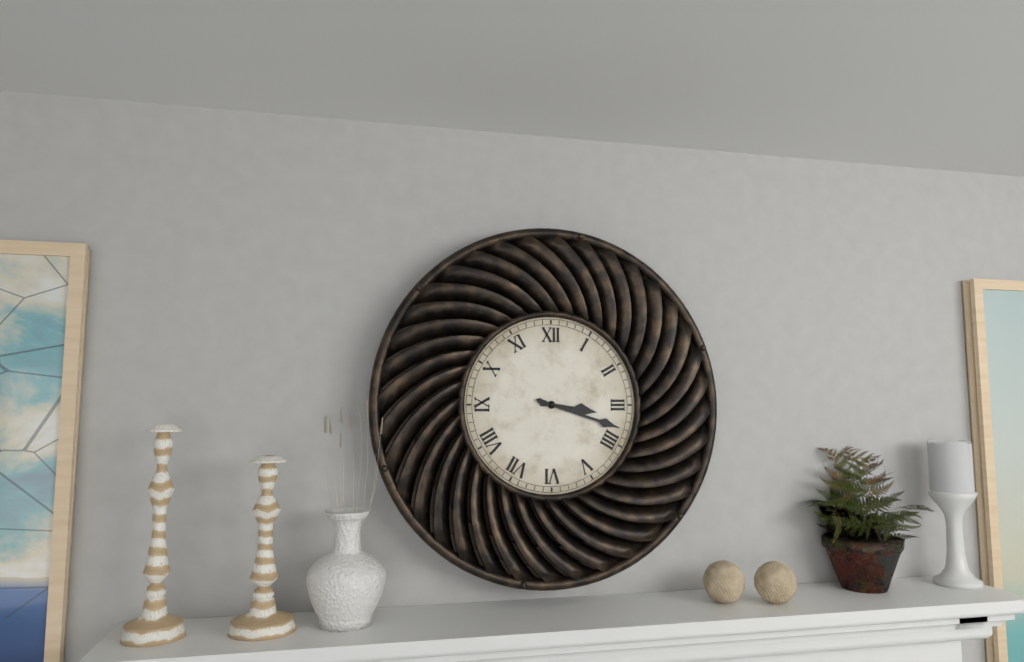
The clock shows 3:18
